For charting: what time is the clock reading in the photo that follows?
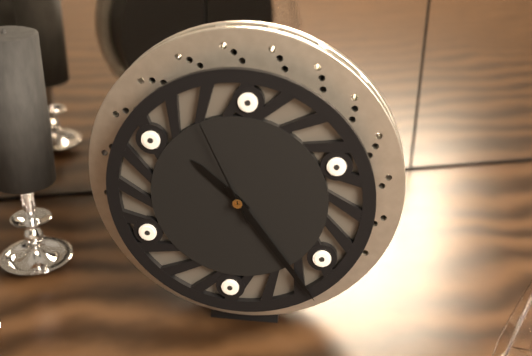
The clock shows 10:24:56
